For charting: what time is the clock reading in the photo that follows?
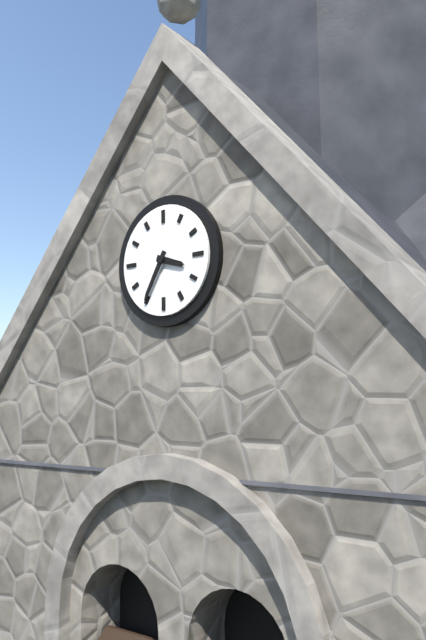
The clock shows 3:35
